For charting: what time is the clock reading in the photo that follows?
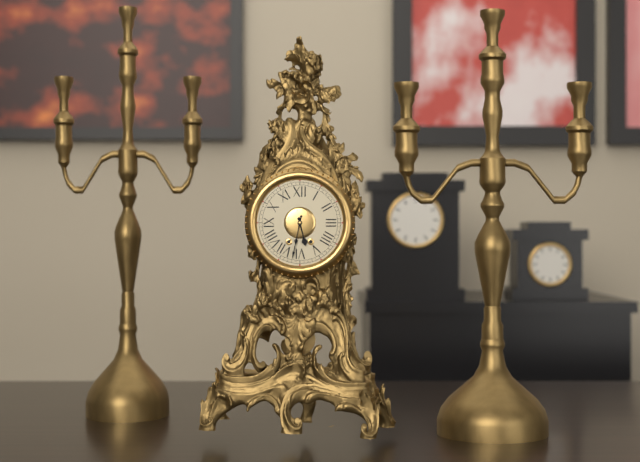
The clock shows 5:32
